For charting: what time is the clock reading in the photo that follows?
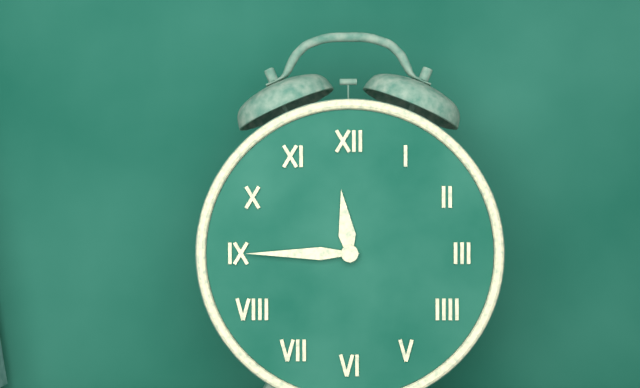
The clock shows 11:45
